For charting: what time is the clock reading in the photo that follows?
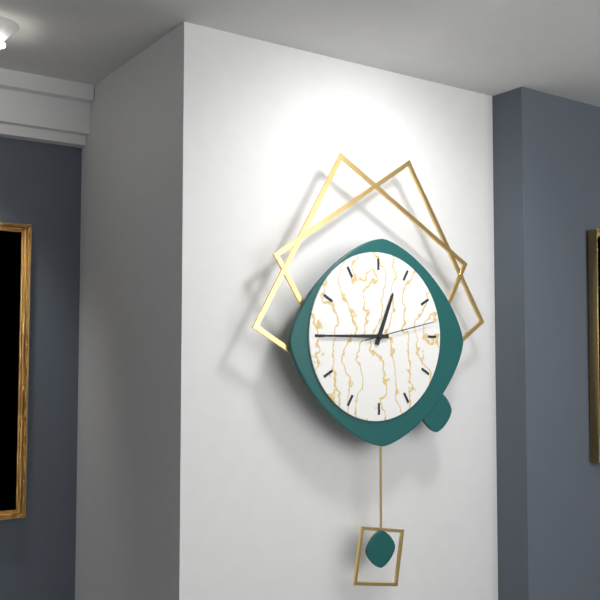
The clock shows 12:45:13
